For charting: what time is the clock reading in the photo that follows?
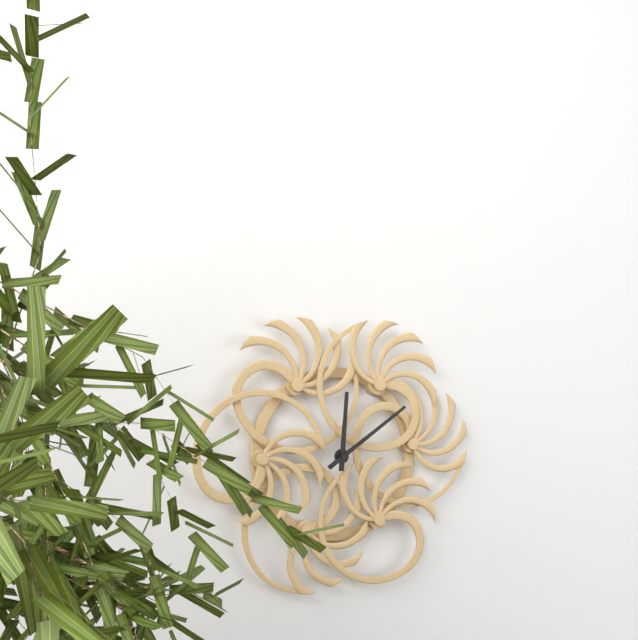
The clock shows 12:09
